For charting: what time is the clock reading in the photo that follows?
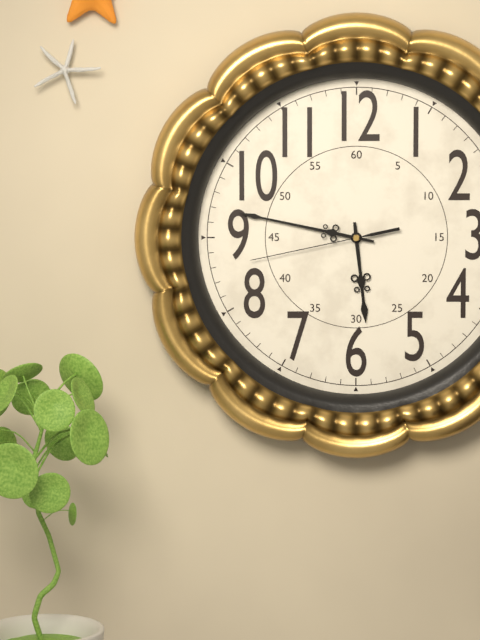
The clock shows 5:47:43
